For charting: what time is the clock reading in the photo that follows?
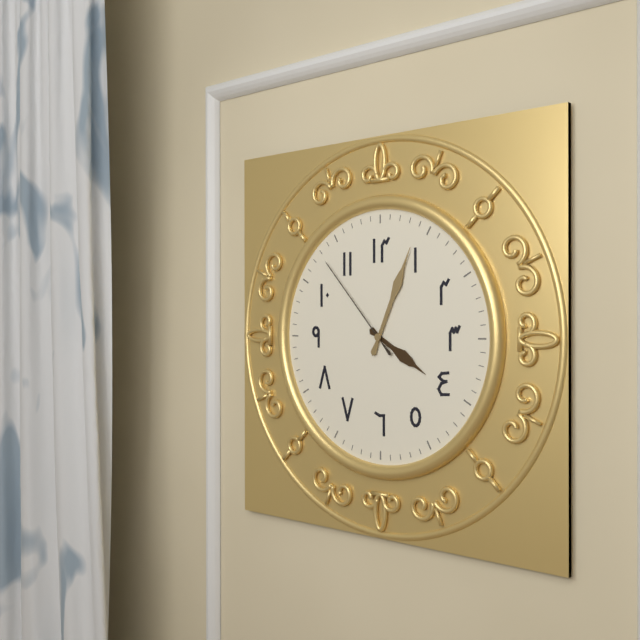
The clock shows 4:04:53
